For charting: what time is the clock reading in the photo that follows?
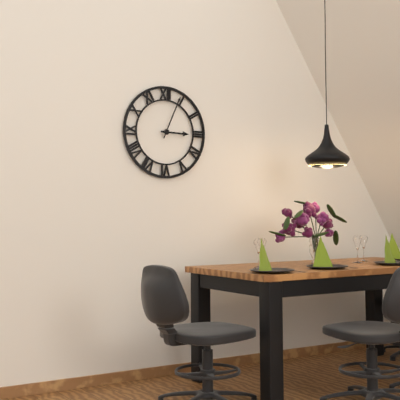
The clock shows 3:04
